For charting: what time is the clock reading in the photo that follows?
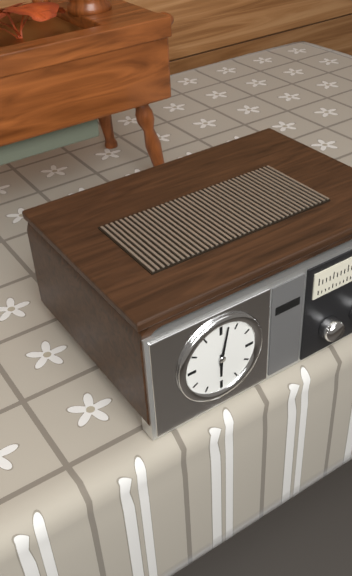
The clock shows 6:02
